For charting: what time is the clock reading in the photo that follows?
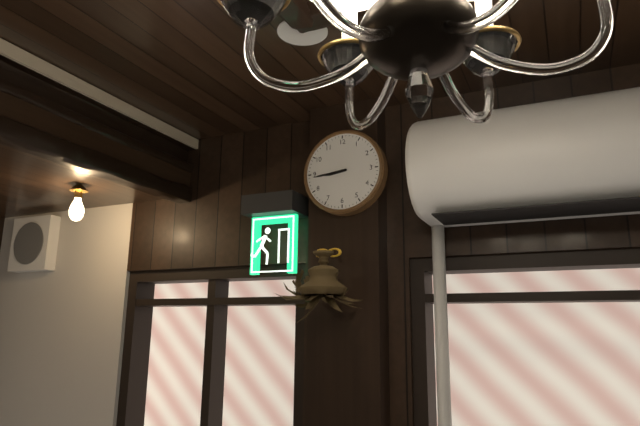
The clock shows 8:44
